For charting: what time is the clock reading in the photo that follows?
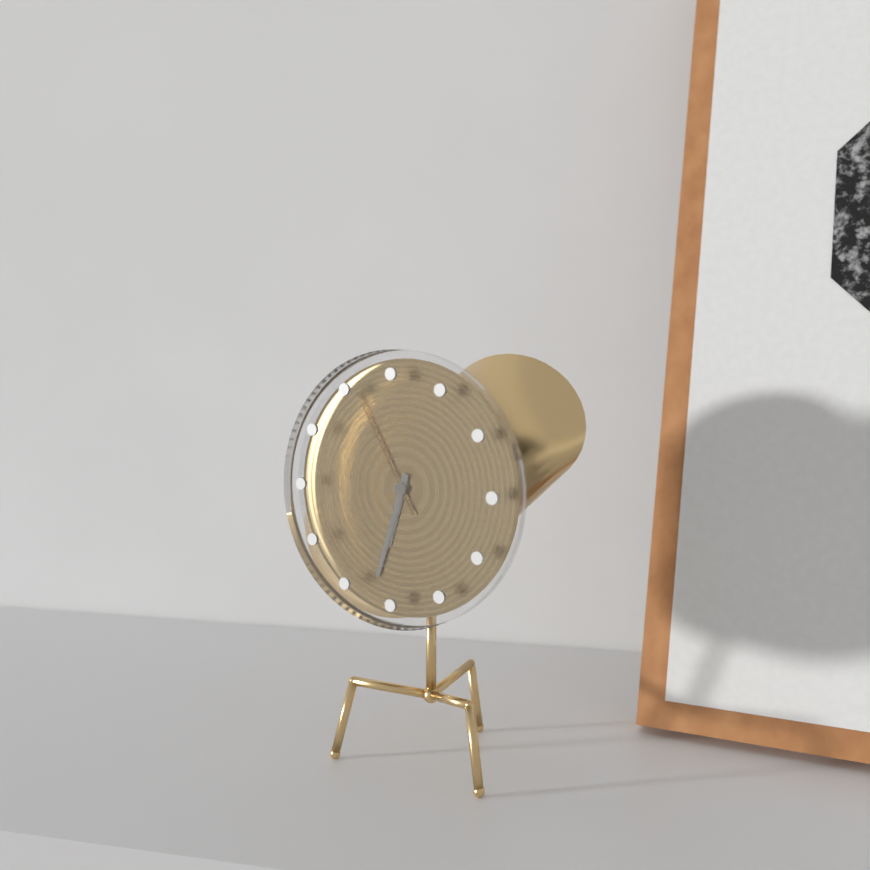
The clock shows 6:33:55
